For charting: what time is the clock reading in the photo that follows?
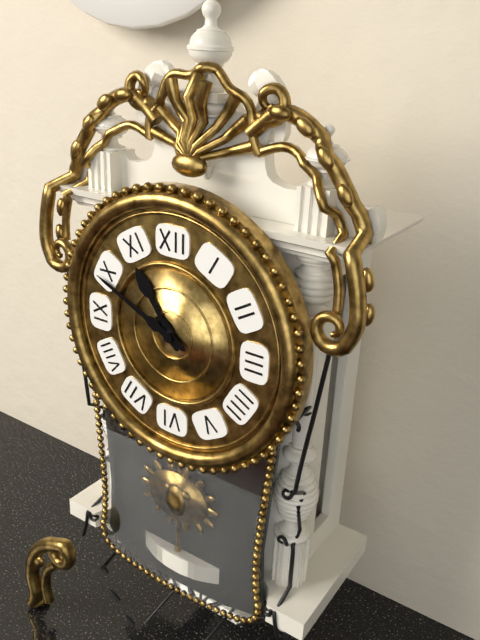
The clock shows 10:49
